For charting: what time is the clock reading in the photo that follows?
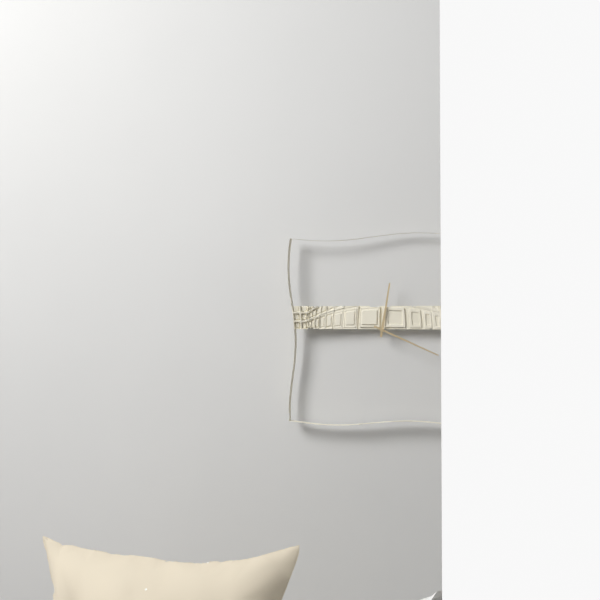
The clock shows 12:19
